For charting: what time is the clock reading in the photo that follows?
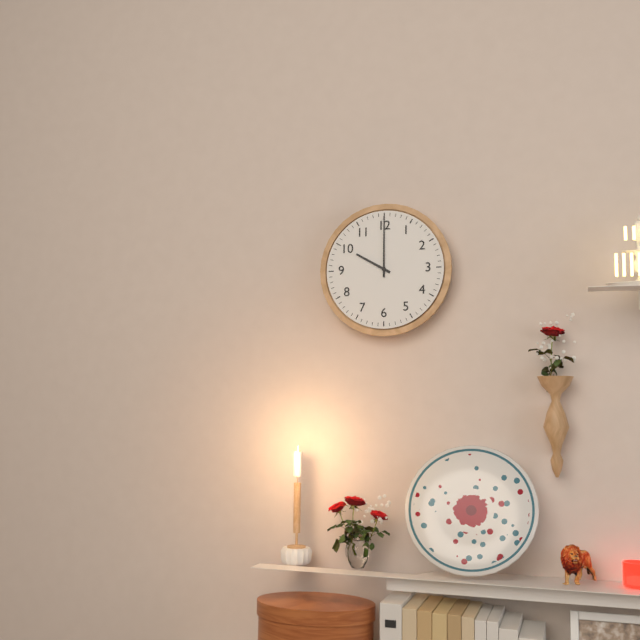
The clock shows 10:00
